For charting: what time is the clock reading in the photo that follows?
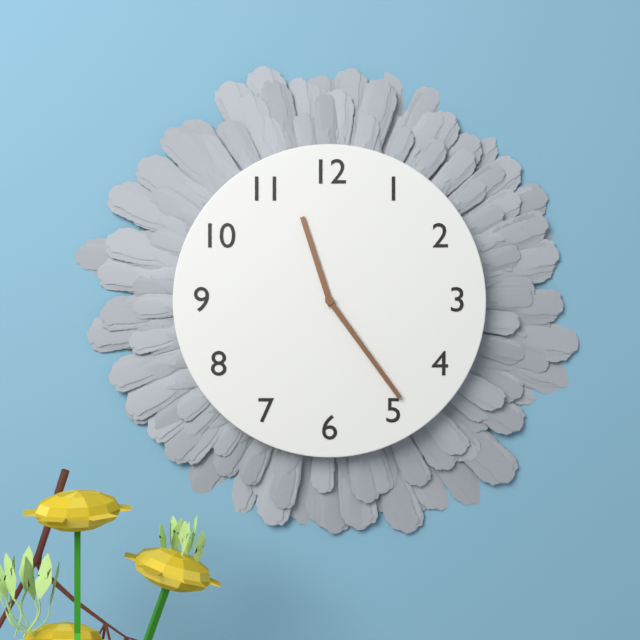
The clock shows 11:24
